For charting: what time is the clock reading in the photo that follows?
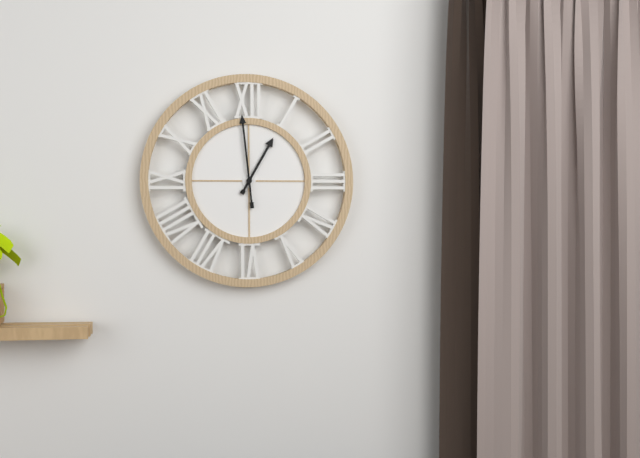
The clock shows 12:59
